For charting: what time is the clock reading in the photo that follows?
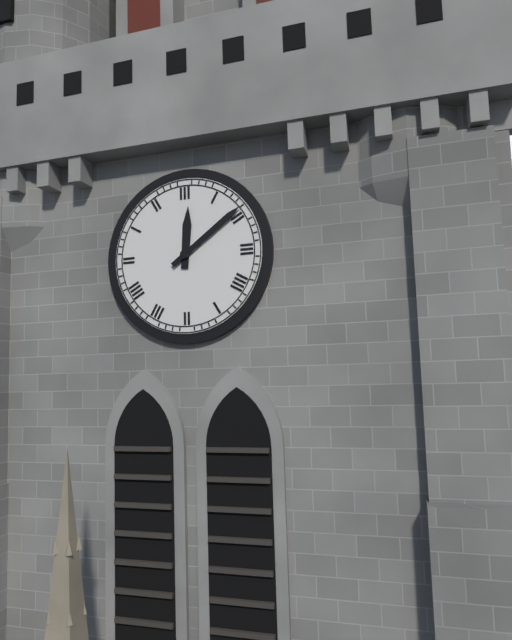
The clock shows 12:09
